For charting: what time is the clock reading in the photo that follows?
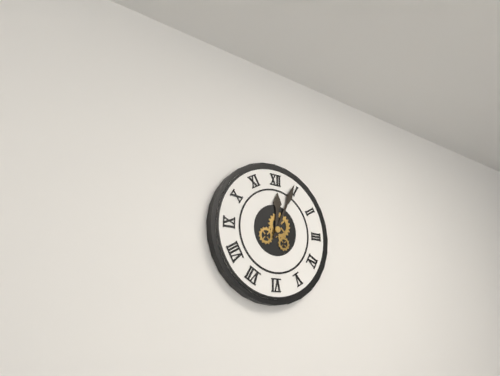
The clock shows 12:04
